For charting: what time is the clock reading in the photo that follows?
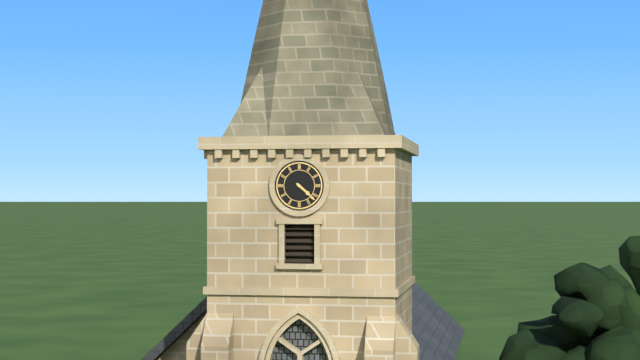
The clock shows 4:22
